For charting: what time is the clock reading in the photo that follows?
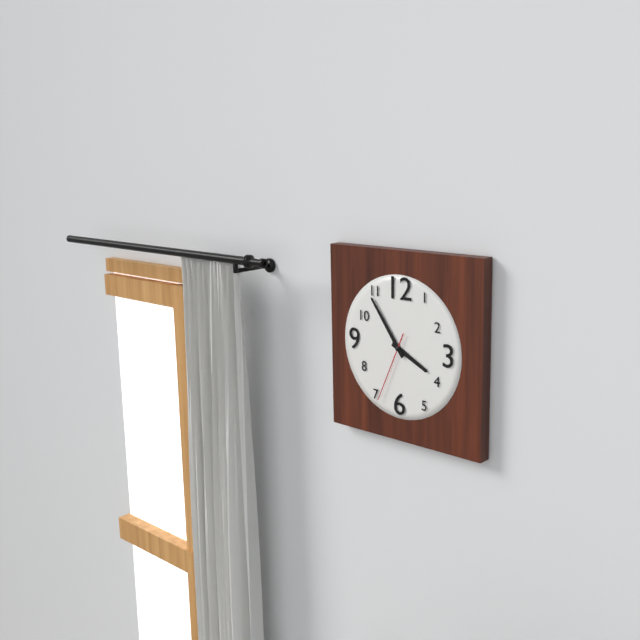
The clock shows 3:54:34
